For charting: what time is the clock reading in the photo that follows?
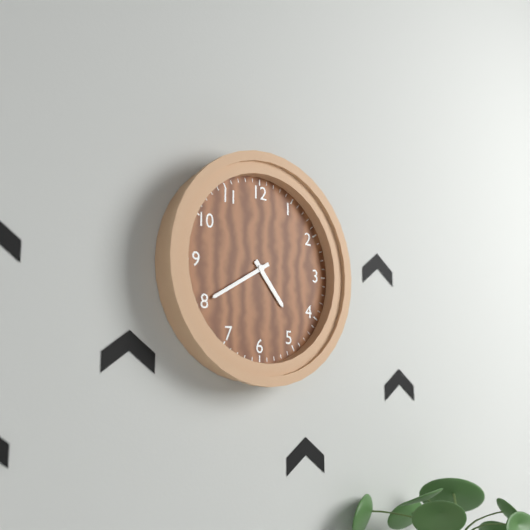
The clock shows 4:40
